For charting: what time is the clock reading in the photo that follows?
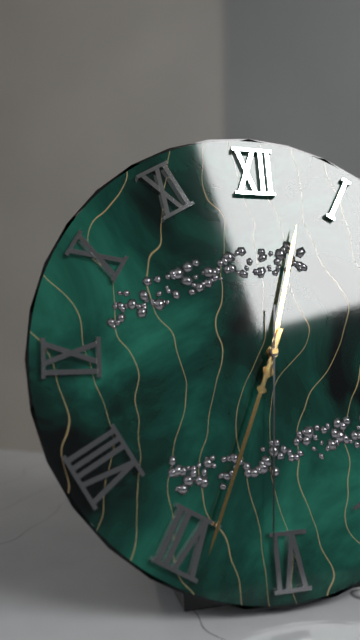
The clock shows 12:34:31
